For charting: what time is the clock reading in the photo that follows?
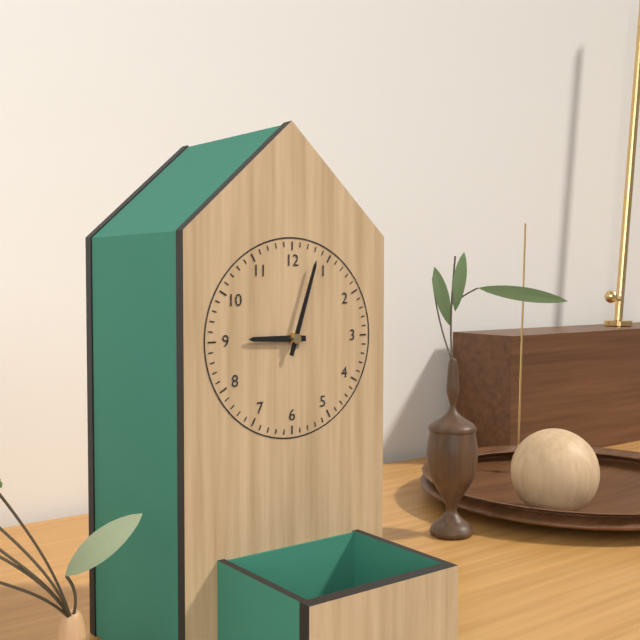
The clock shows 9:03
